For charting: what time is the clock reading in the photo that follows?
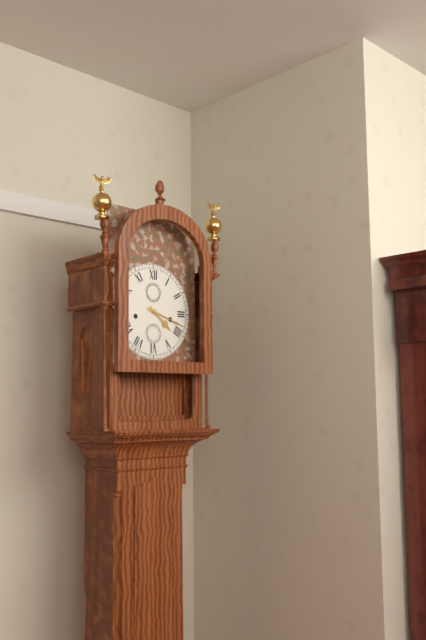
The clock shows 4:18
